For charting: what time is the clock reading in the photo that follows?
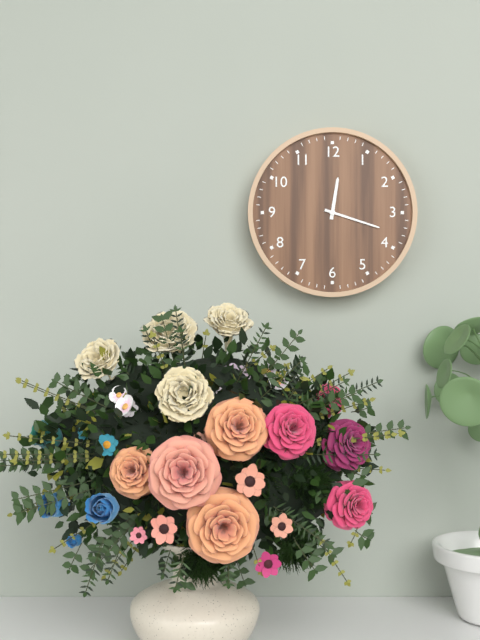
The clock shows 12:18
